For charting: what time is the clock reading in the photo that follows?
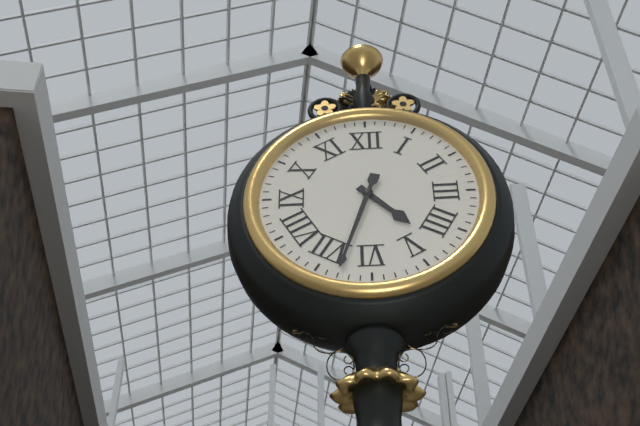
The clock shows 4:33
